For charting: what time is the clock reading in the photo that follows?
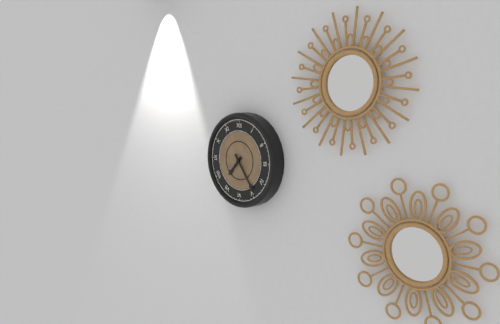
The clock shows 7:24
